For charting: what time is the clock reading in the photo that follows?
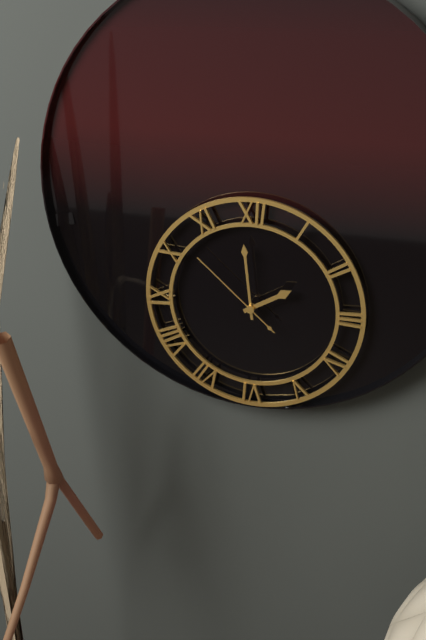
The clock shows 1:59:52
